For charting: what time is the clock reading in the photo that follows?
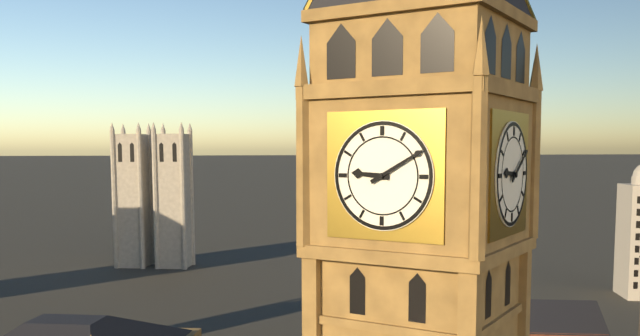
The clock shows 9:10
